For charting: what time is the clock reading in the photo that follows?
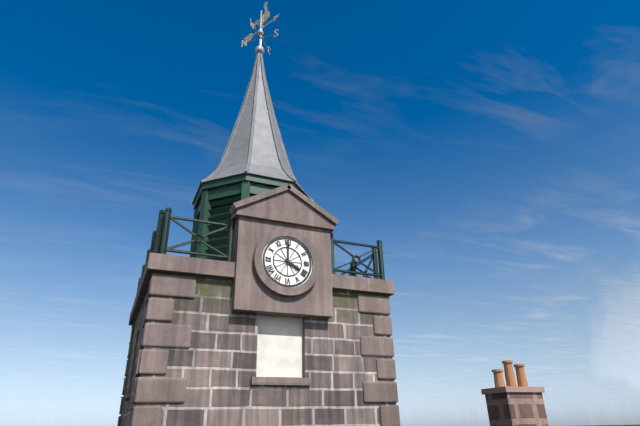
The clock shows 4:00
